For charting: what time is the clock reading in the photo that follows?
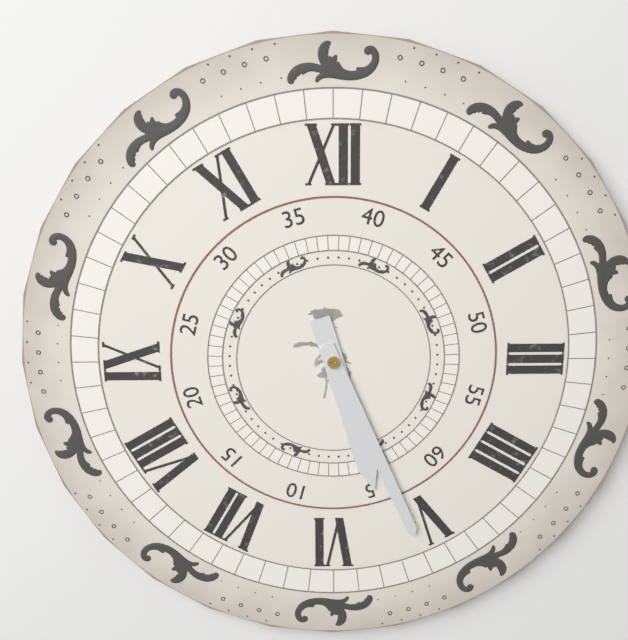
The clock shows 5:26
